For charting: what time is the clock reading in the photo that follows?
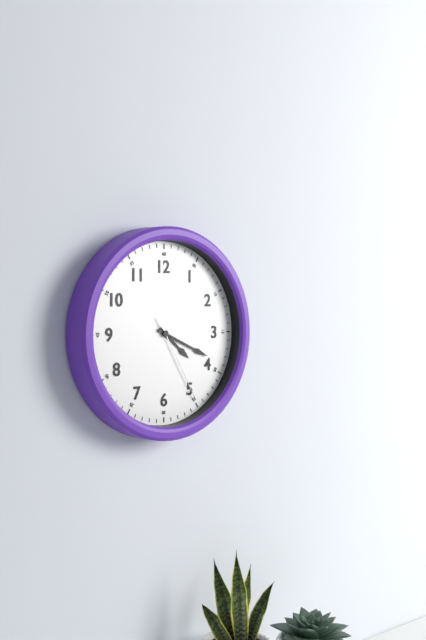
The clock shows 4:19:25
